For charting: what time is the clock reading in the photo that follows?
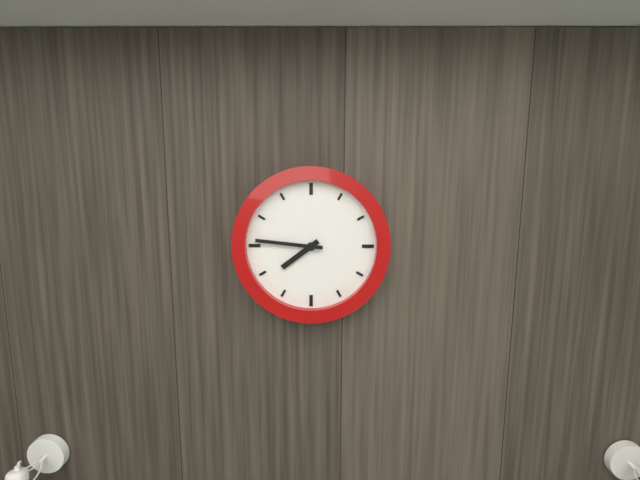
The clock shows 7:46
